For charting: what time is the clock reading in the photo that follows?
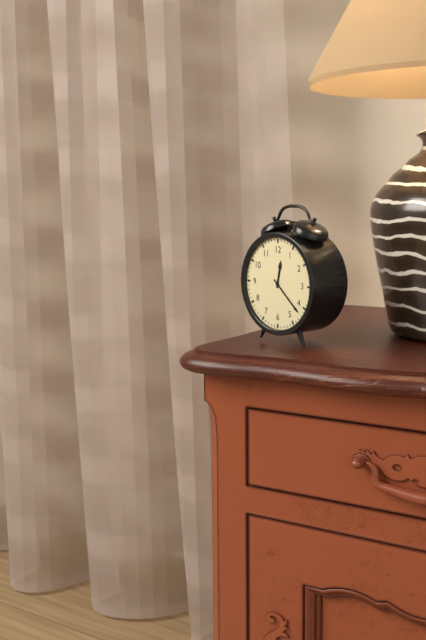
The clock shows 12:22
